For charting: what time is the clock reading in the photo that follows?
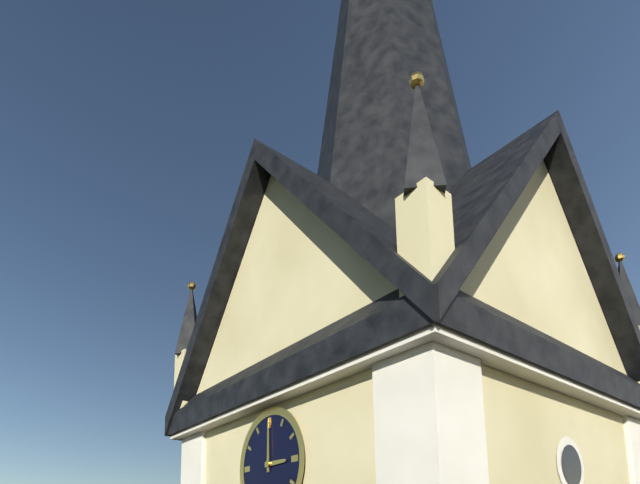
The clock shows 3:00
